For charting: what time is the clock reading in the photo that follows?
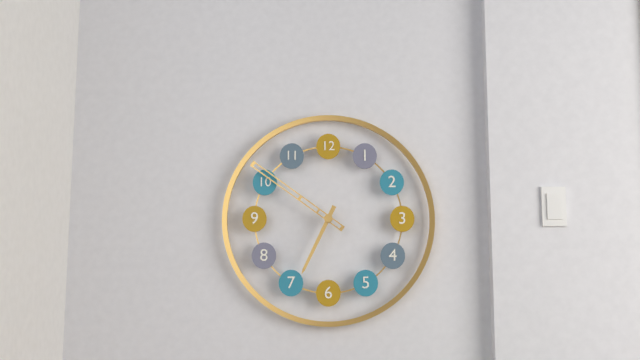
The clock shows 6:51
